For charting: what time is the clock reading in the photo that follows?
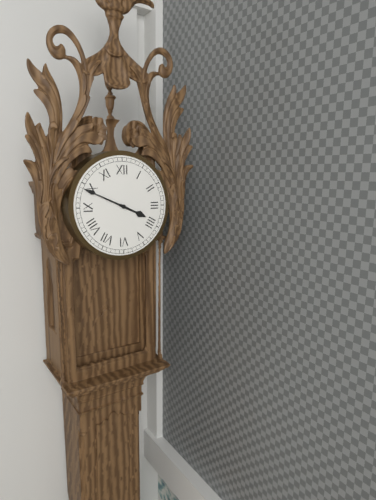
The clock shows 3:49
